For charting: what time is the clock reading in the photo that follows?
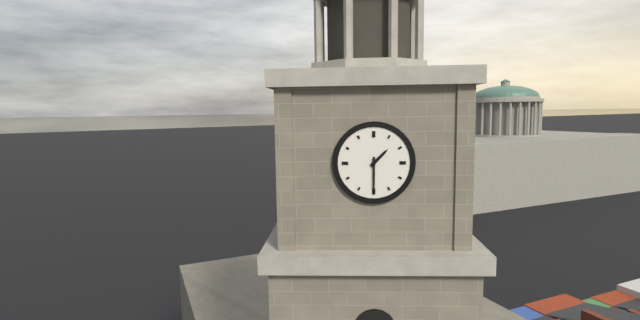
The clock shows 1:30
